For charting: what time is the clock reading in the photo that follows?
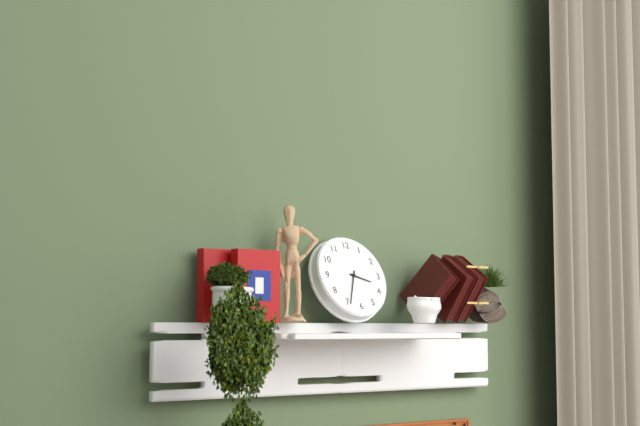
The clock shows 3:34
